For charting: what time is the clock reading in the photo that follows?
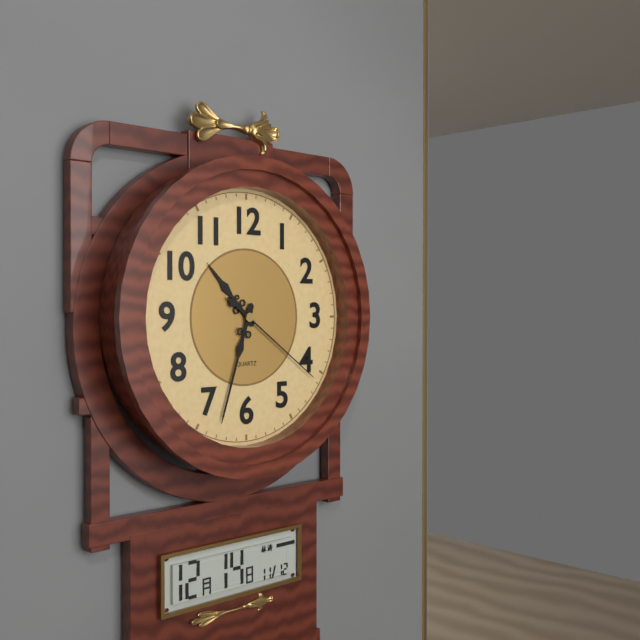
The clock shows 10:33:21
